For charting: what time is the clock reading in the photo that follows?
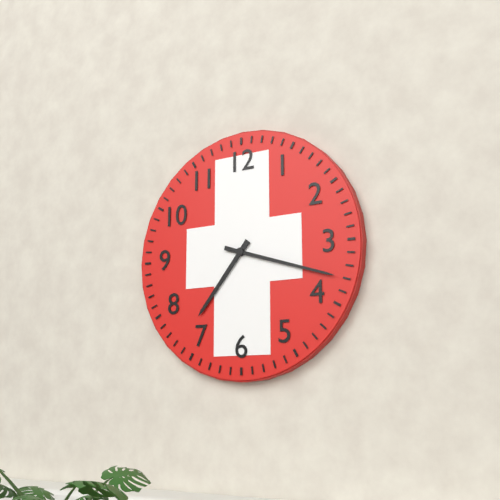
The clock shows 7:18
